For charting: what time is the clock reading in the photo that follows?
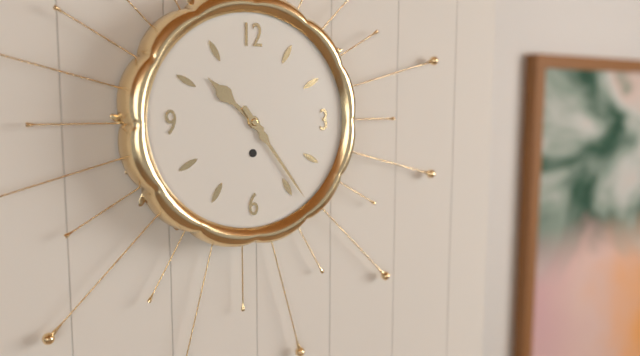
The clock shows 10:24
